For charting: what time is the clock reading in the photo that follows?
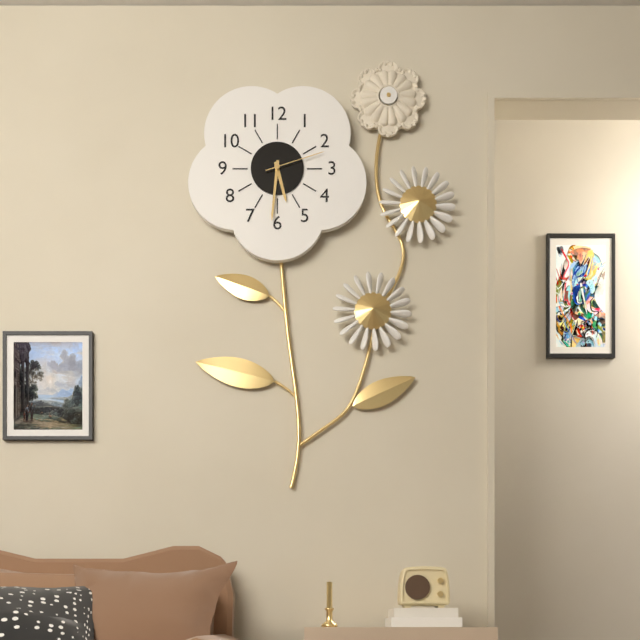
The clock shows 5:31:12
